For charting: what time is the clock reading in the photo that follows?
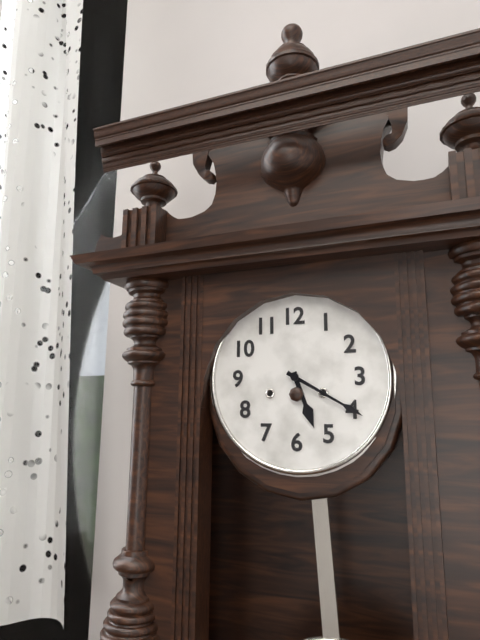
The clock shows 5:20
